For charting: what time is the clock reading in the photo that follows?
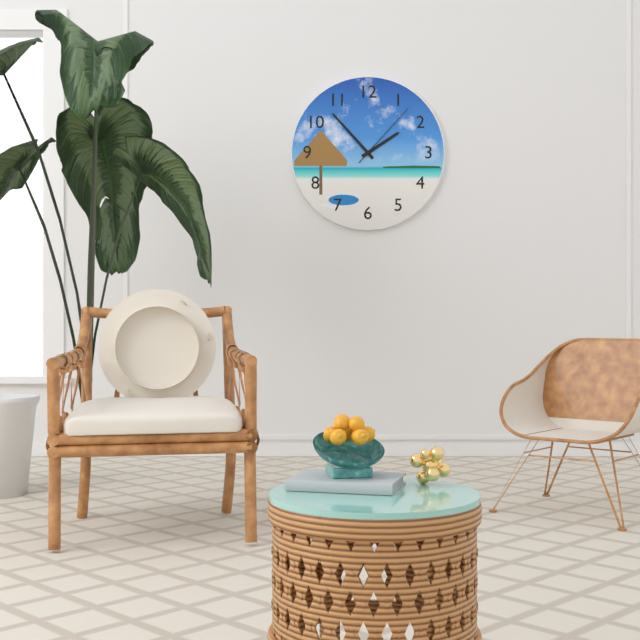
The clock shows 1:53:07
